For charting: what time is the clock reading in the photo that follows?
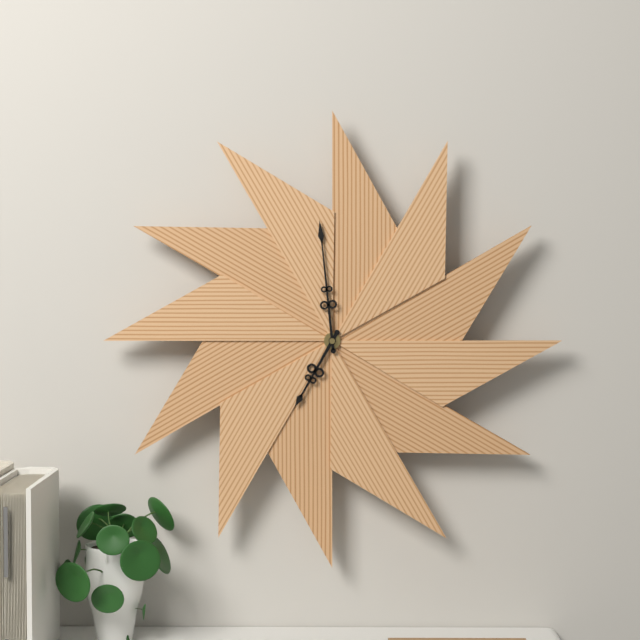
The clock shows 6:59
